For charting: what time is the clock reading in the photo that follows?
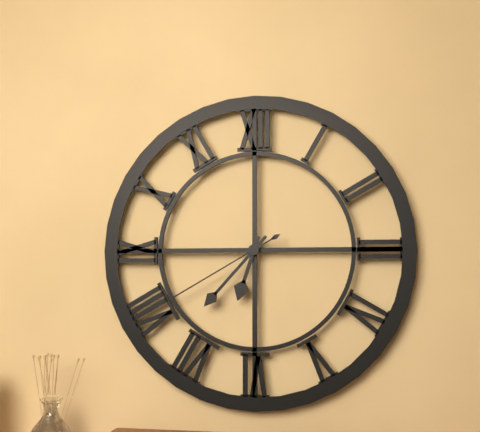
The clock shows 6:37:40
